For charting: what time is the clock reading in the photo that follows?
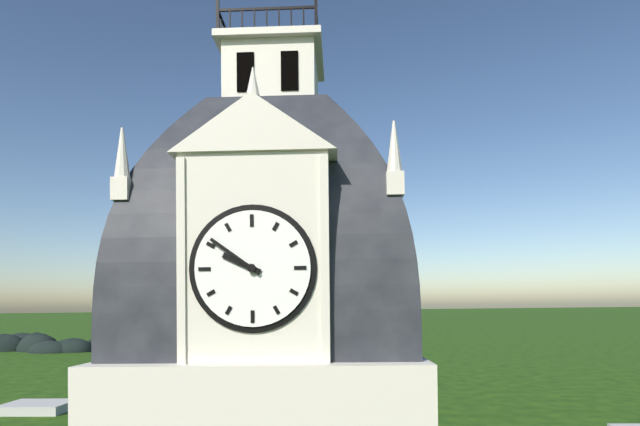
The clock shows 9:51
